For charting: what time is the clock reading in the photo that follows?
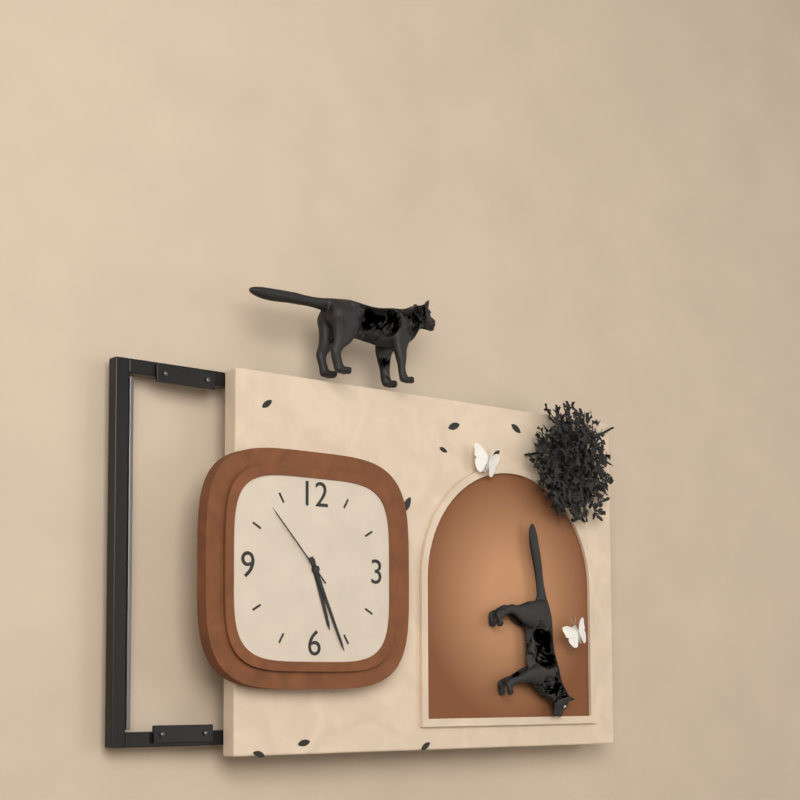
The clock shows 5:26:53
